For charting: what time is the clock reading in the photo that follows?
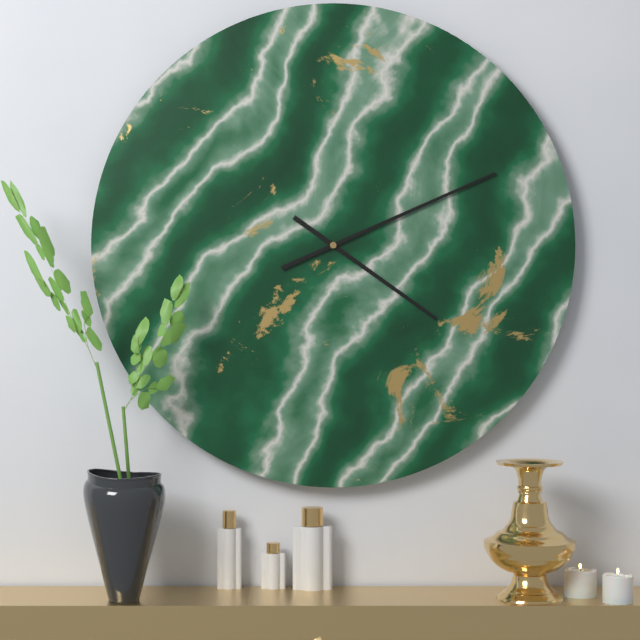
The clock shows 4:11
